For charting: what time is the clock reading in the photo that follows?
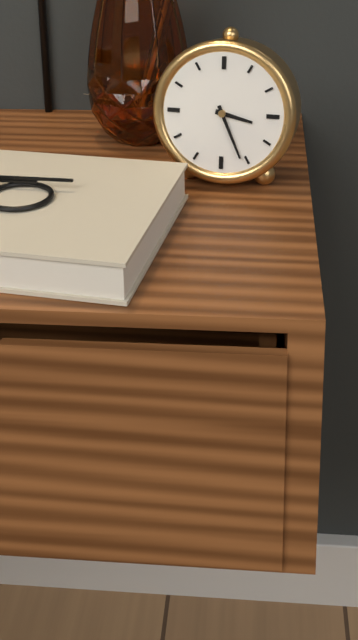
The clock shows 3:26
